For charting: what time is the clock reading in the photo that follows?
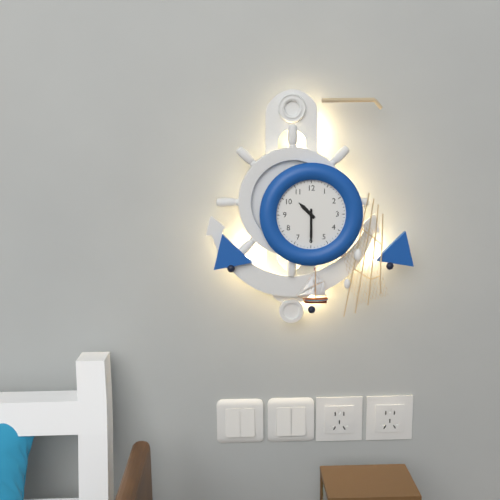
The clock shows 10:30
